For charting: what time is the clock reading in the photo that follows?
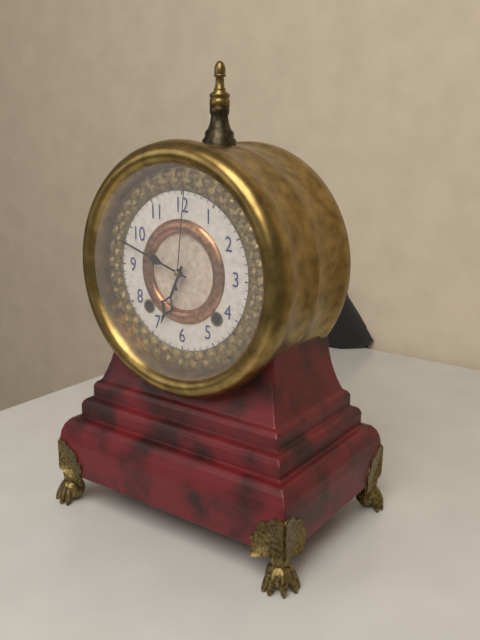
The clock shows 6:48:01
